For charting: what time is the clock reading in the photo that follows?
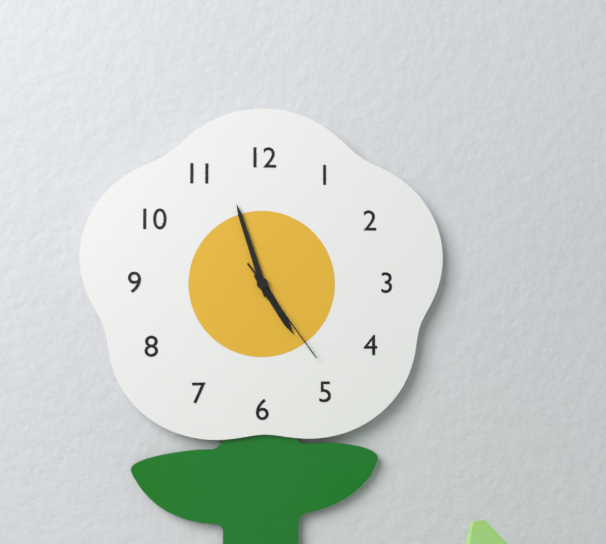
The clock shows 4:57:24
